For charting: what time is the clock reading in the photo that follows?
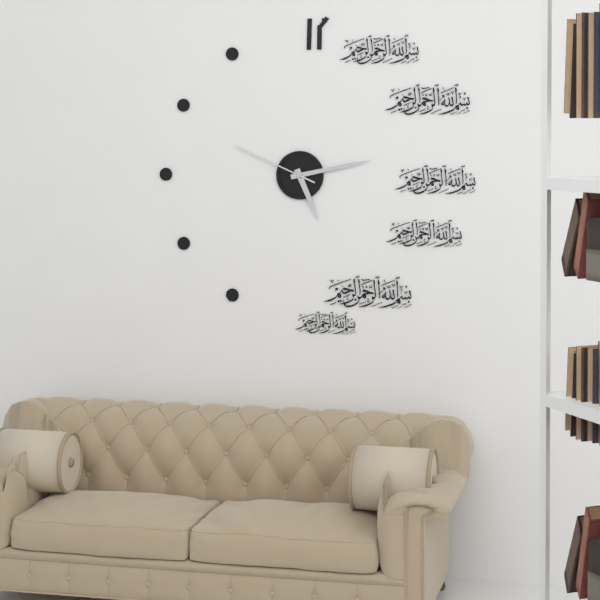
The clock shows 5:13:49
